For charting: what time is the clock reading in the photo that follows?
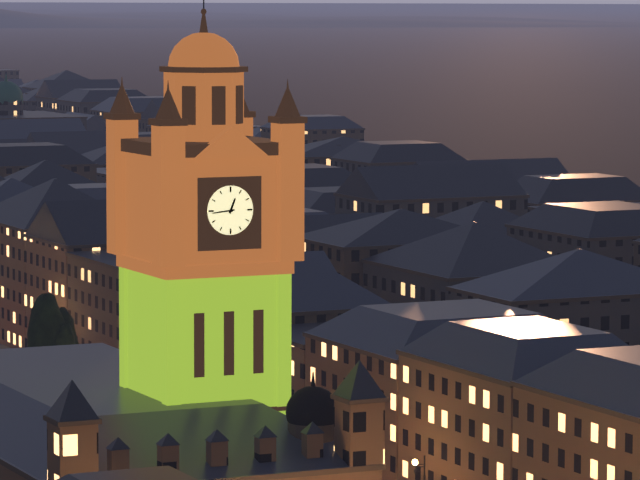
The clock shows 12:44
